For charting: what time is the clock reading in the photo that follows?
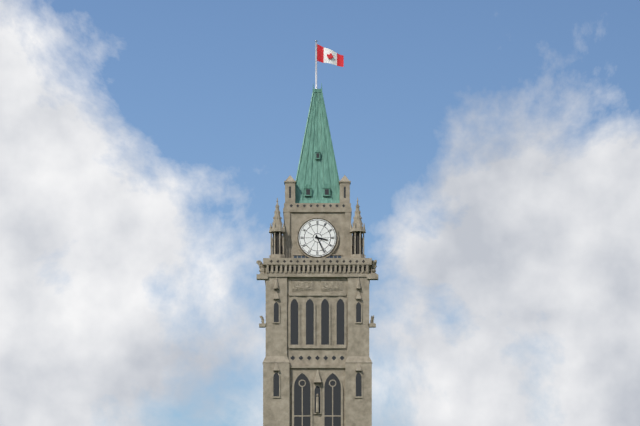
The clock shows 3:26
